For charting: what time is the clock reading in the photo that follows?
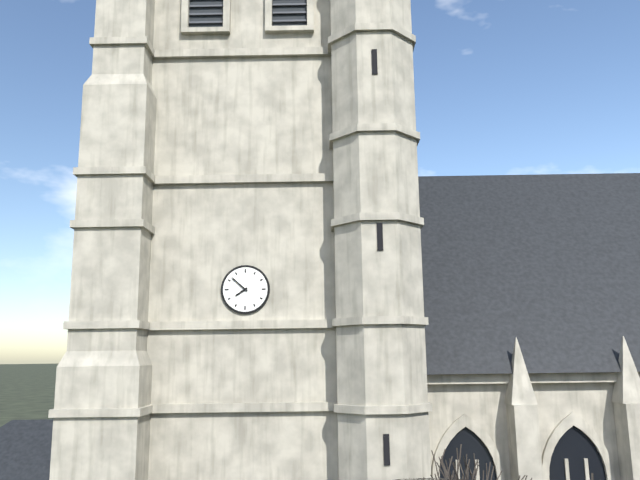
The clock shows 7:52
